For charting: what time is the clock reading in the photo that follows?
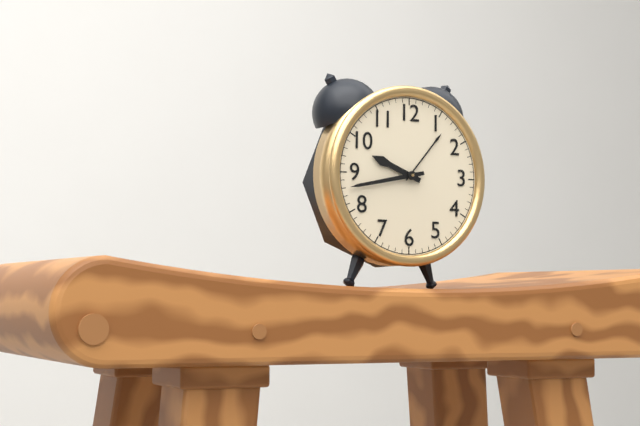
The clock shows 9:43
